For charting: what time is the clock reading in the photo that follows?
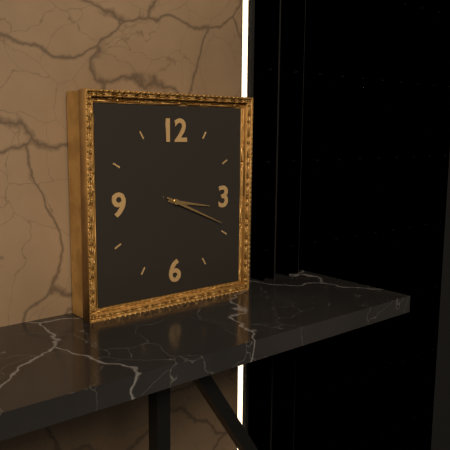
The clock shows 3:19
